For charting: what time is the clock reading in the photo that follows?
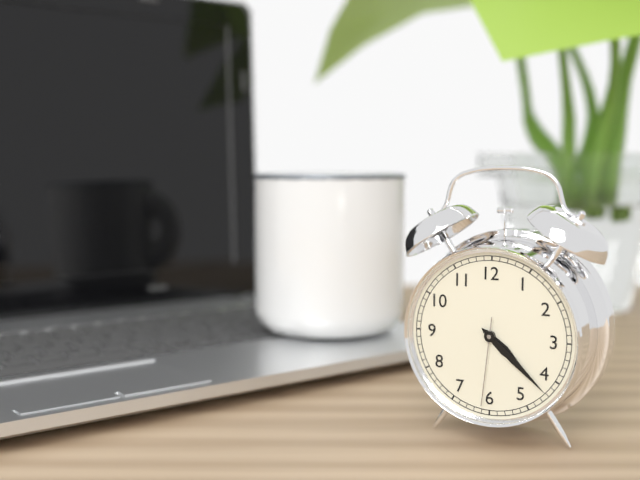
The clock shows 4:22:31
